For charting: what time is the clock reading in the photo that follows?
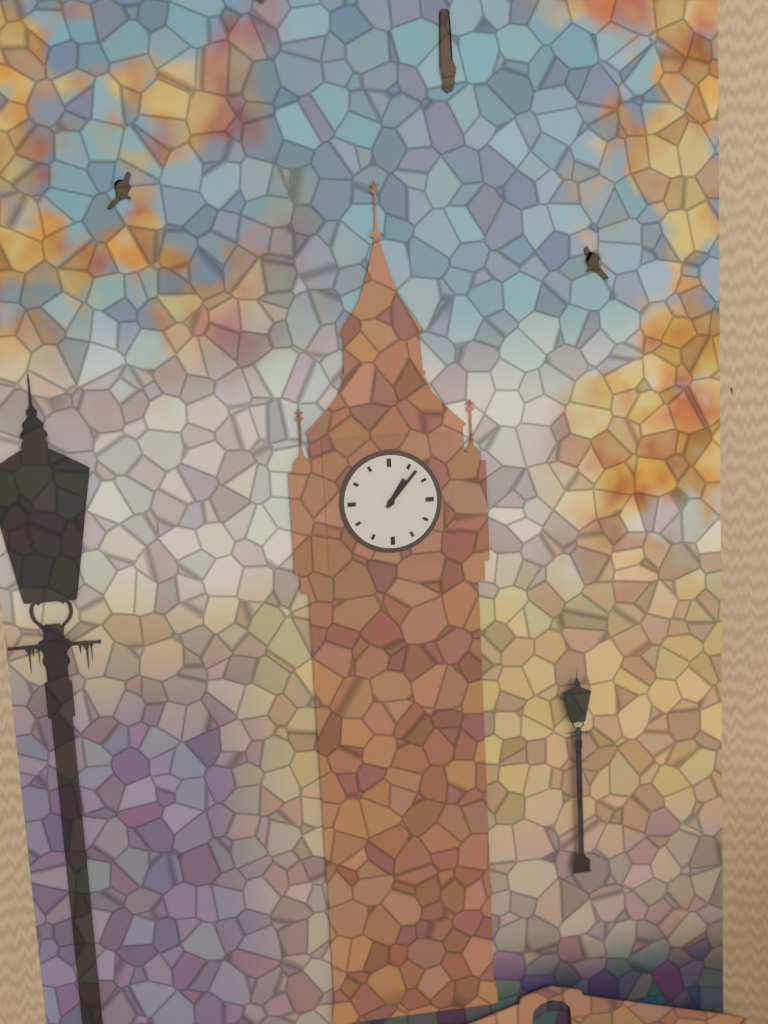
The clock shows 1:07
